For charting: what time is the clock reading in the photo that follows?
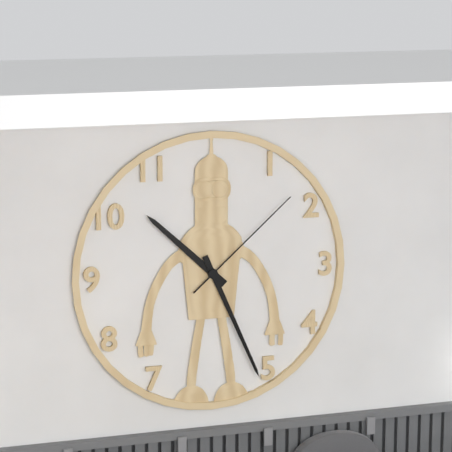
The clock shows 10:26:08
